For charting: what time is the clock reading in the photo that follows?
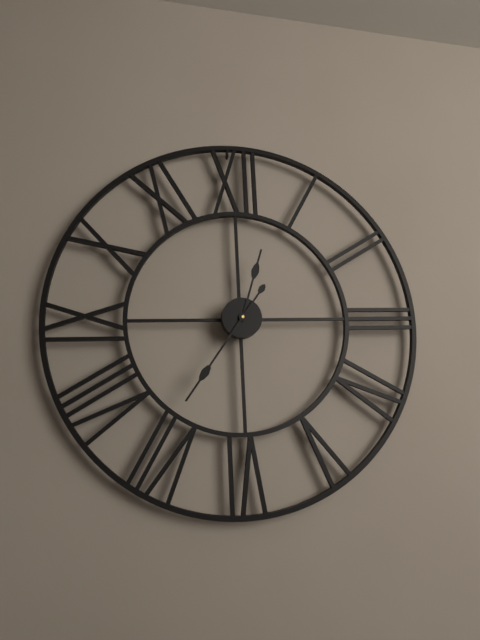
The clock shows 12:36
